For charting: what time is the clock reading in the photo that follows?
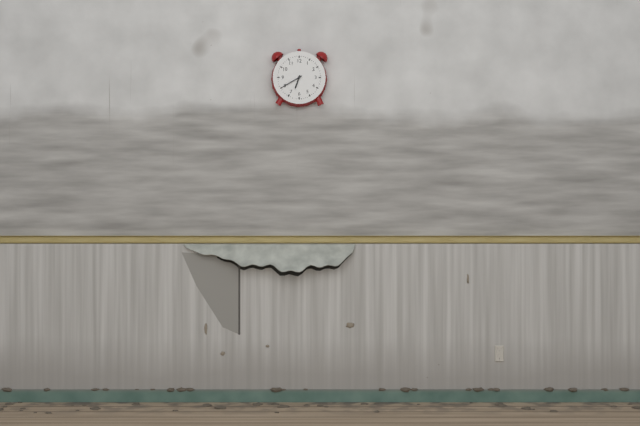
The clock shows 6:40
